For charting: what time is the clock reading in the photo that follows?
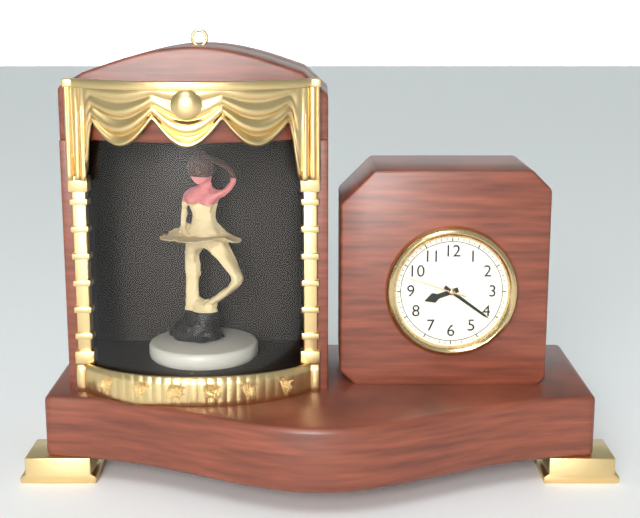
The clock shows 8:21:48
